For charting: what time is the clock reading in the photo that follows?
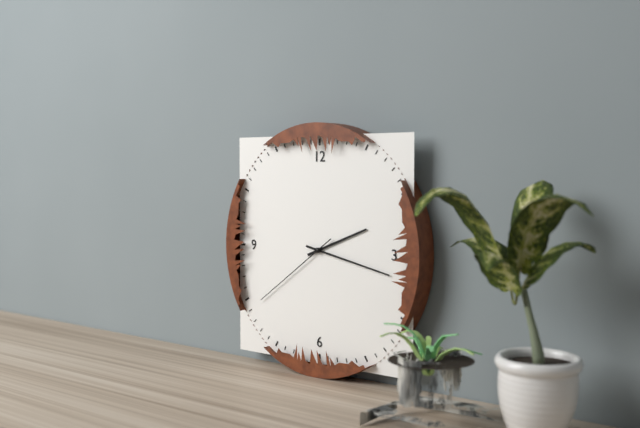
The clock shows 2:17:39
